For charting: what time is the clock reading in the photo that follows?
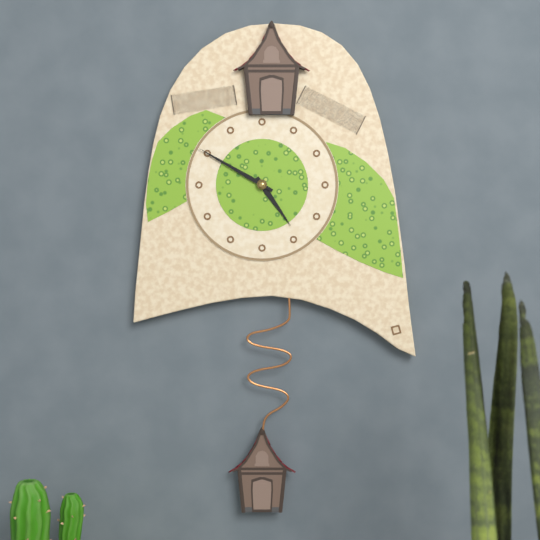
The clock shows 4:50
